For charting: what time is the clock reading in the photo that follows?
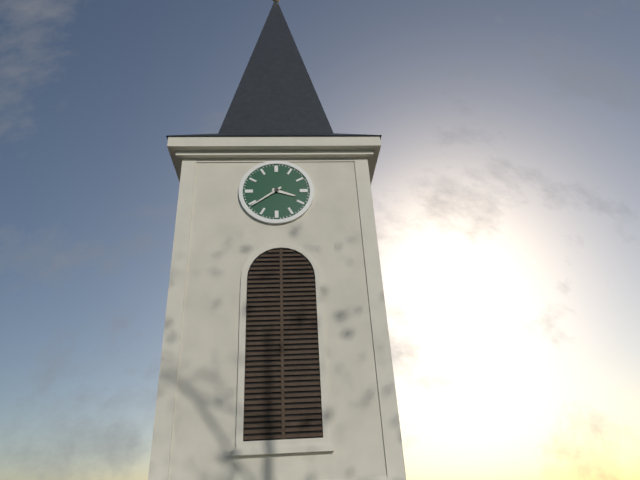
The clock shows 3:39
